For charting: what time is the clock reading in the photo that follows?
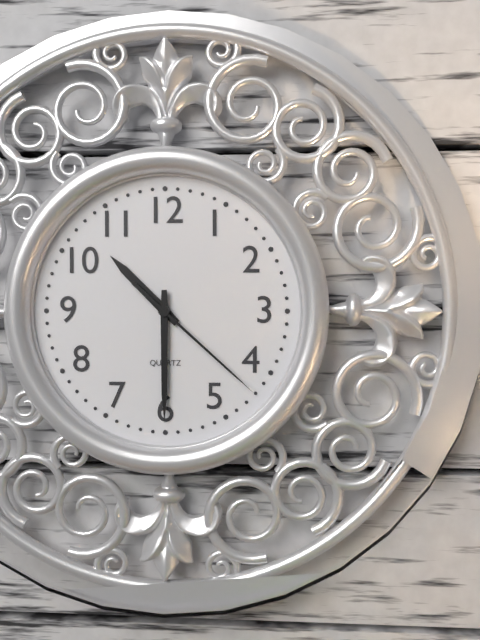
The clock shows 10:30:22
